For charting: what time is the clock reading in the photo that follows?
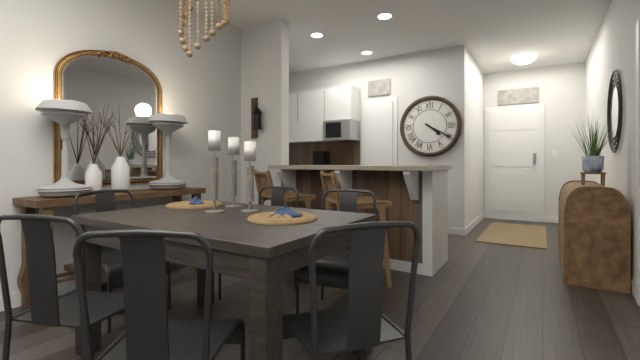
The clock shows 4:20
